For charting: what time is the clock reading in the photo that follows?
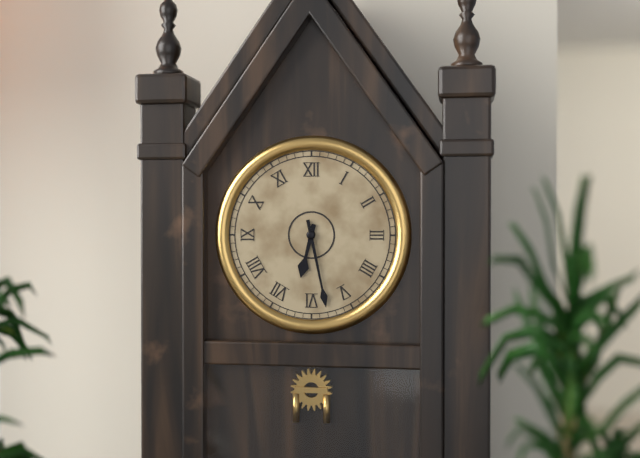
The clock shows 6:28
